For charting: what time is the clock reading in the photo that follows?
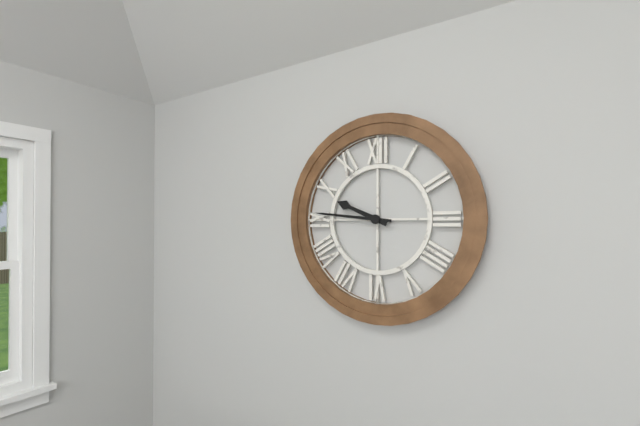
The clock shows 9:46
